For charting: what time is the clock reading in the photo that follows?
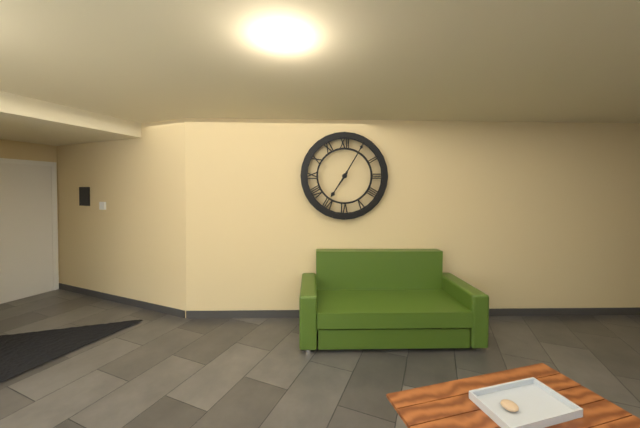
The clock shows 7:05
